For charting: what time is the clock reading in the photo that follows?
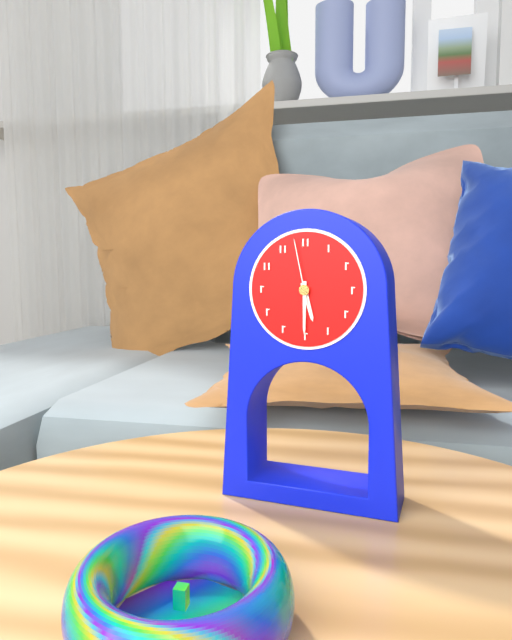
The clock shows 5:30:58
